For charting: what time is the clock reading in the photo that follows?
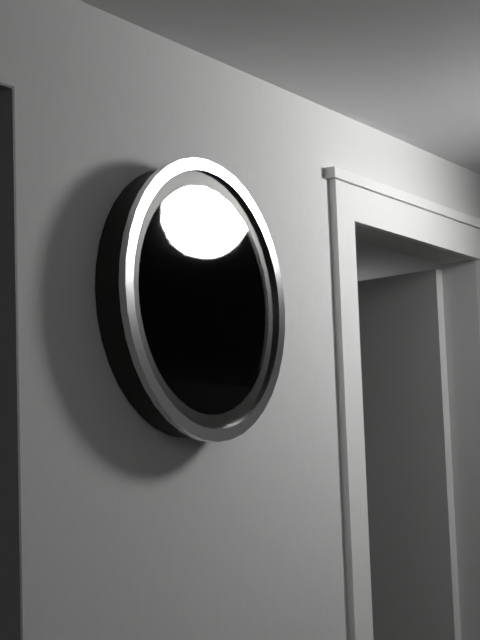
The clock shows 3:26
